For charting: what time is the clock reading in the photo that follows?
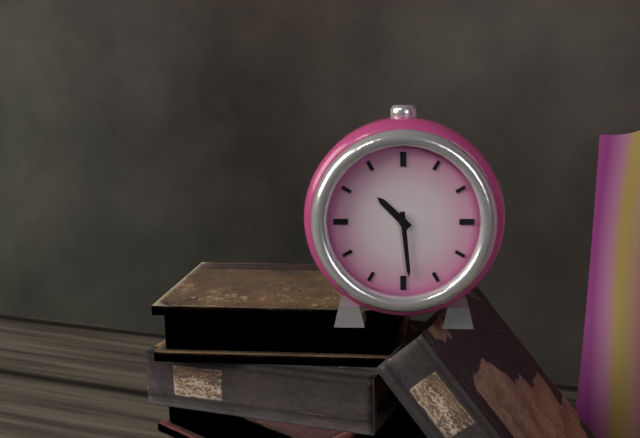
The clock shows 10:29
